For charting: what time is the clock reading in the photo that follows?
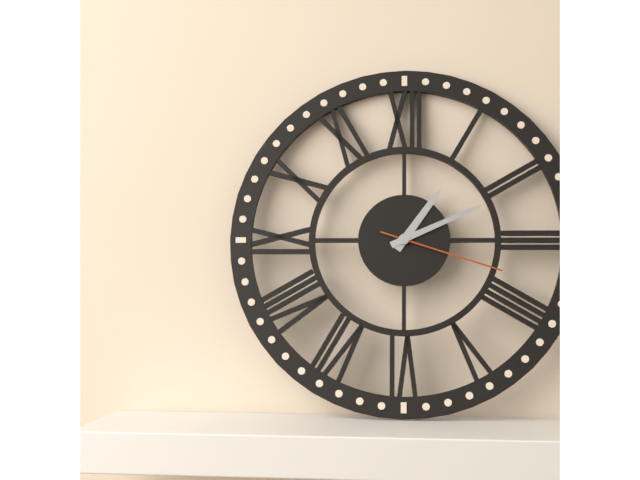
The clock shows 1:11:18
